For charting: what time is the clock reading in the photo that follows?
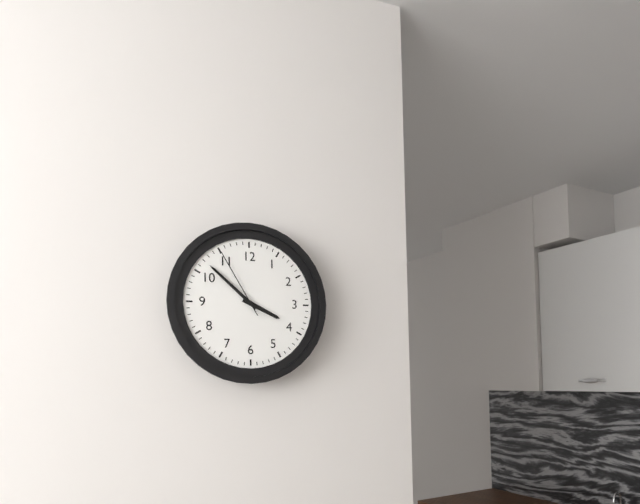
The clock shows 3:52:55
